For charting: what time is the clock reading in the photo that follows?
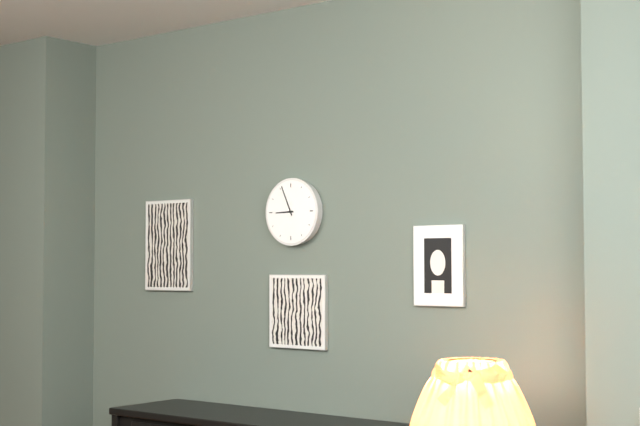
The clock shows 8:56
